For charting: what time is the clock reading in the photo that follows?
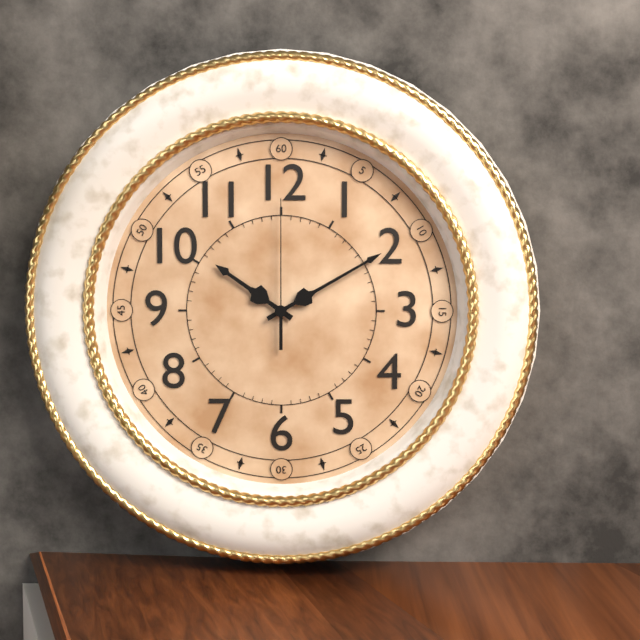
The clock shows 10:10:00
